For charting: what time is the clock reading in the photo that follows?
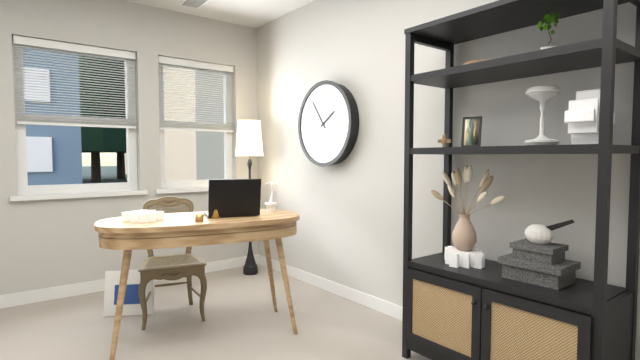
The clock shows 1:54
